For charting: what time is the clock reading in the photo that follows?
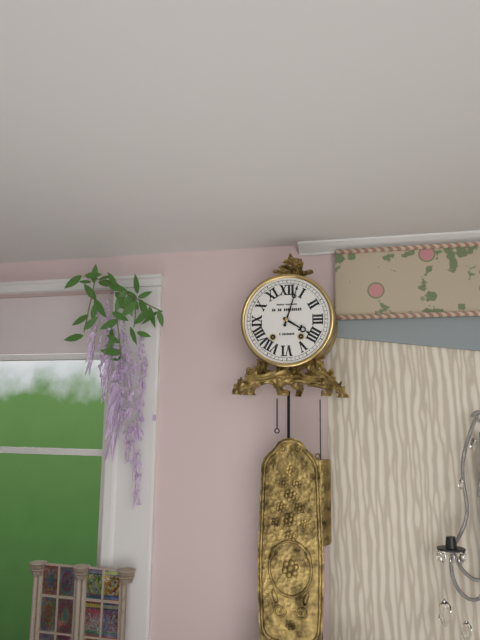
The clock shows 4:03
